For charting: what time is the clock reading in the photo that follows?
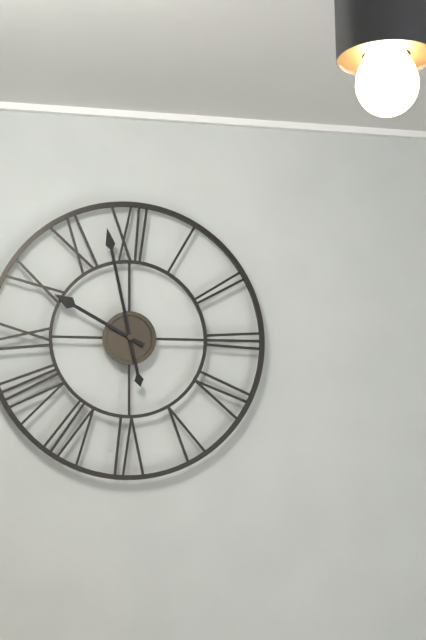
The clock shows 9:58
